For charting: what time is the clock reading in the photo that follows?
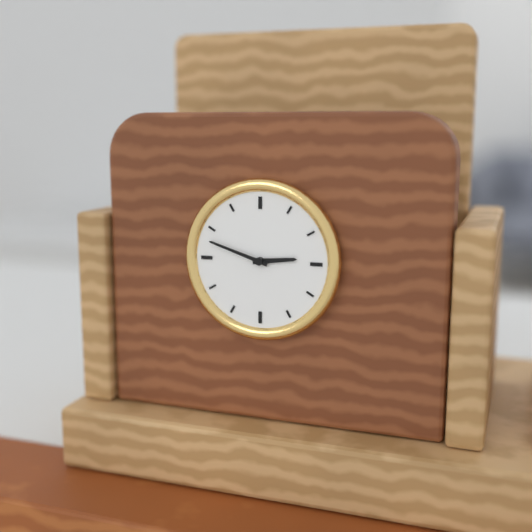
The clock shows 2:48
